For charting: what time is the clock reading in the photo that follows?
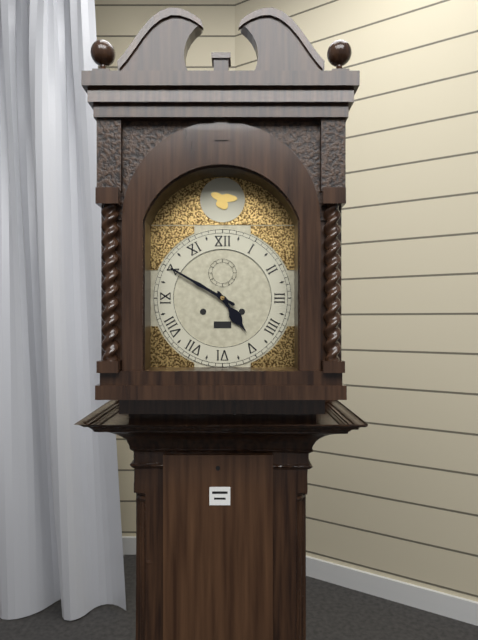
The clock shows 4:50
